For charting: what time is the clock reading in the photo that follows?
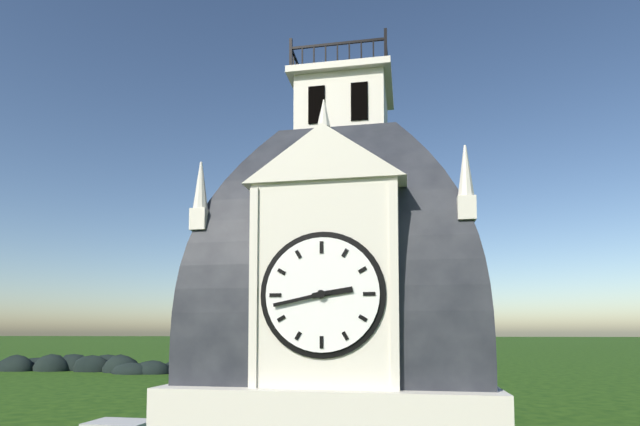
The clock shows 2:43
